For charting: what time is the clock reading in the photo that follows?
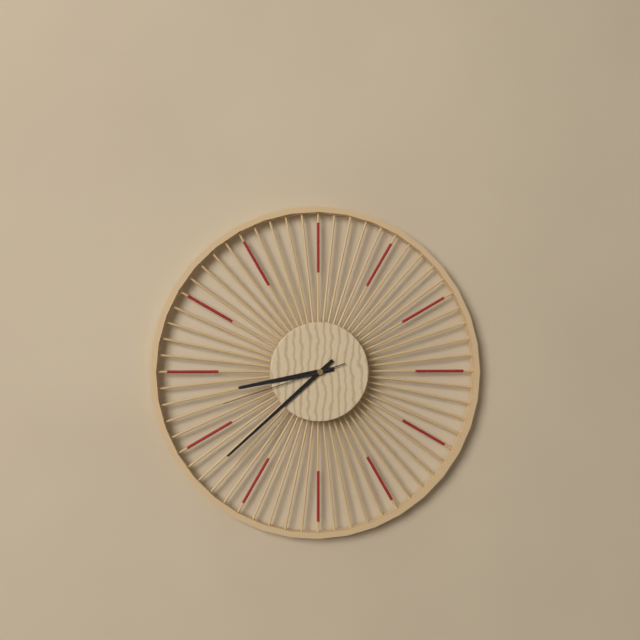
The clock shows 8:38:42
